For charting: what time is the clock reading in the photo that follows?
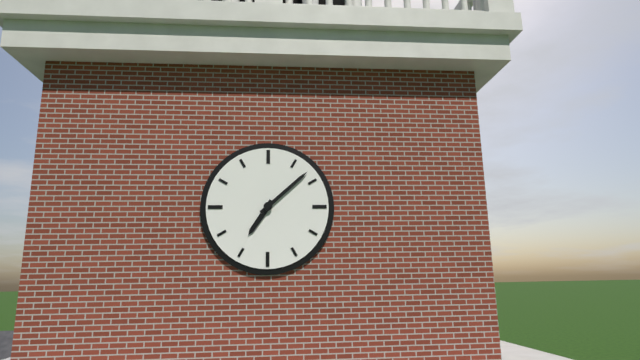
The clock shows 7:08
